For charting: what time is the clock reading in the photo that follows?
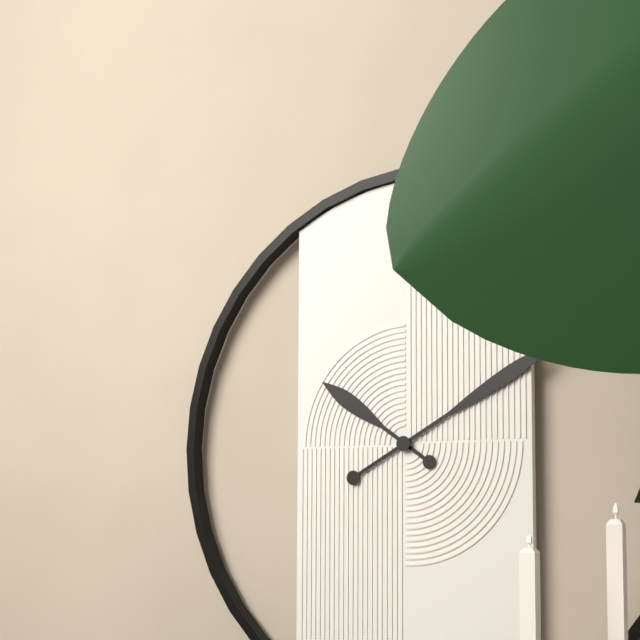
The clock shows 10:10
